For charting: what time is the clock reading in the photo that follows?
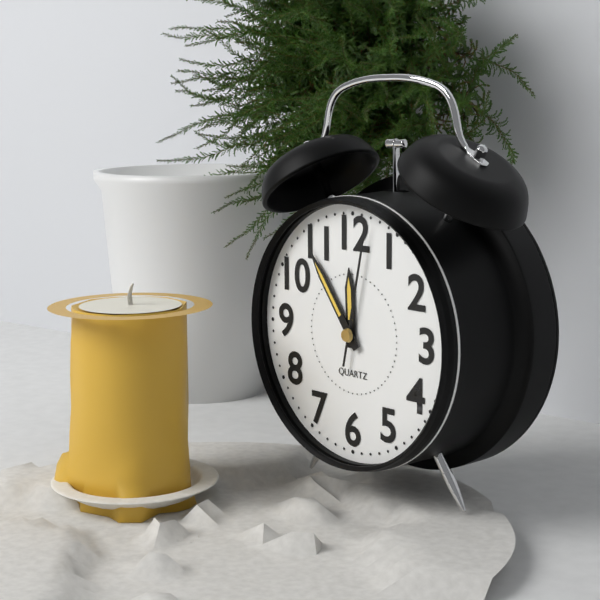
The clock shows 11:54:02
